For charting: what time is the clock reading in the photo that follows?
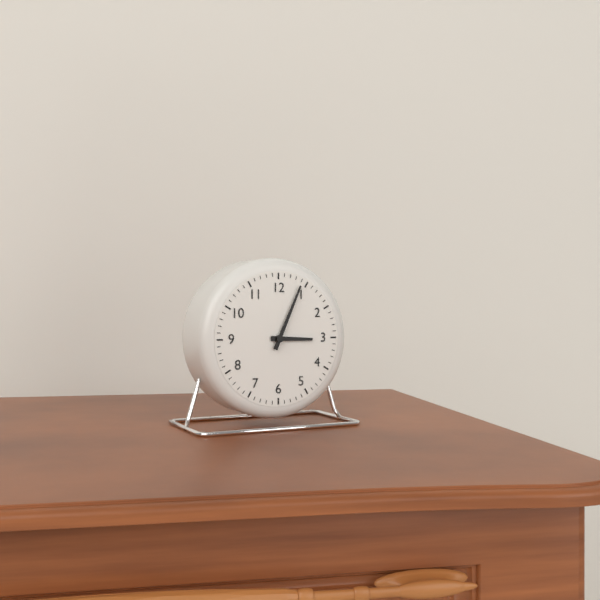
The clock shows 3:04
